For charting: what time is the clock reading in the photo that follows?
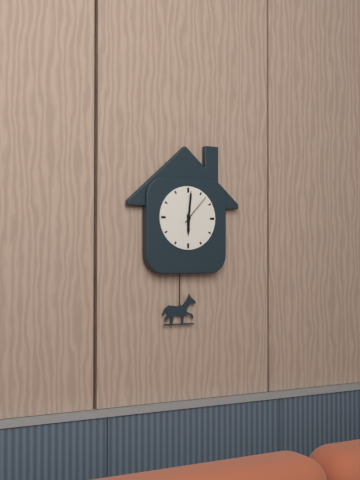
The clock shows 6:01
